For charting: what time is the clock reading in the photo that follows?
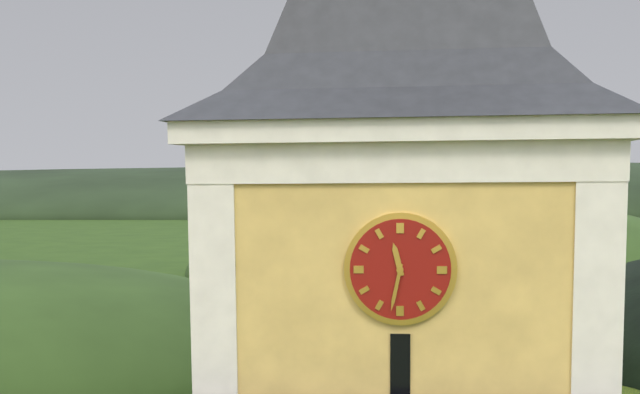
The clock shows 11:32
